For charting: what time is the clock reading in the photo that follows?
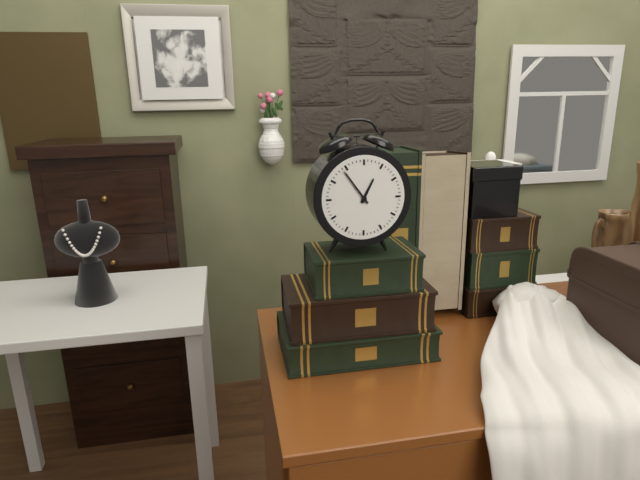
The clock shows 12:54
